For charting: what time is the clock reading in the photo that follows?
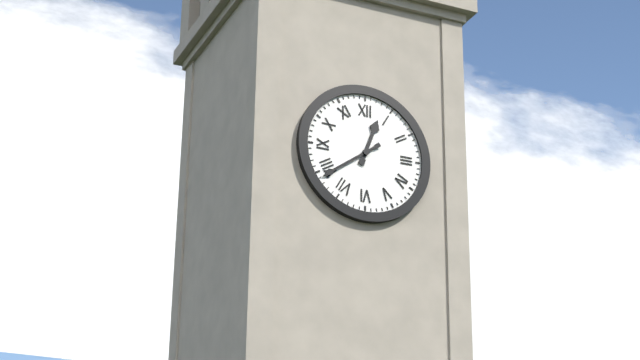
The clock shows 12:39
